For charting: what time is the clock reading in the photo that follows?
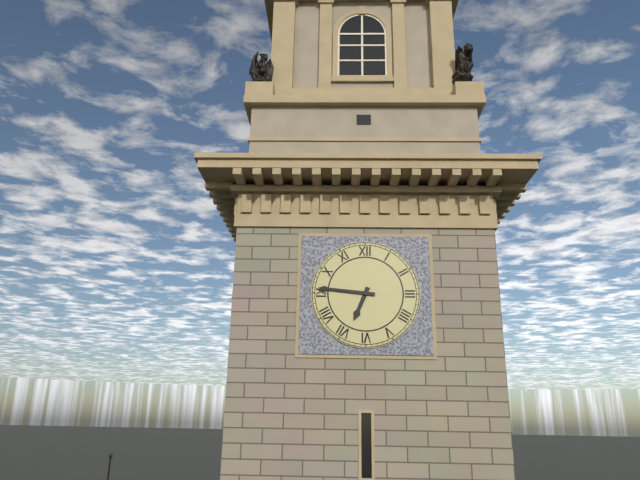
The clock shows 6:46
